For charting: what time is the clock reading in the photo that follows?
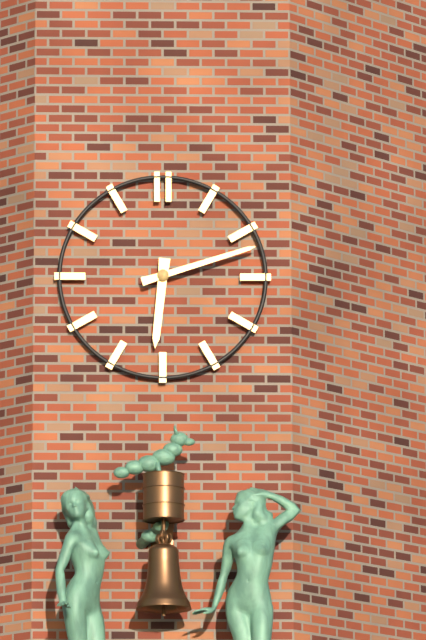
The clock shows 6:12
